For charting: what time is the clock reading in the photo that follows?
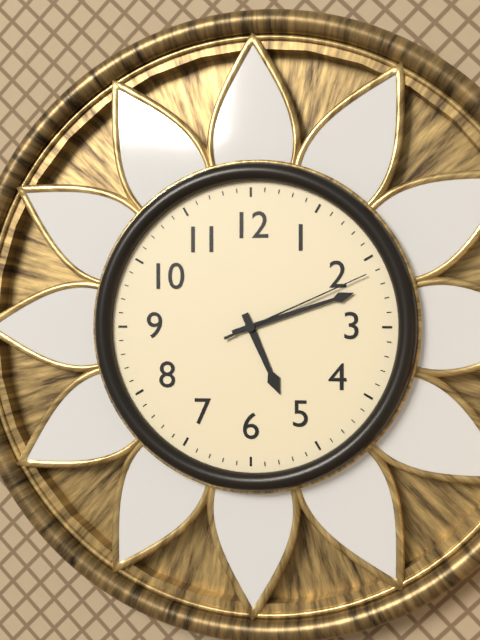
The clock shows 5:12:11
